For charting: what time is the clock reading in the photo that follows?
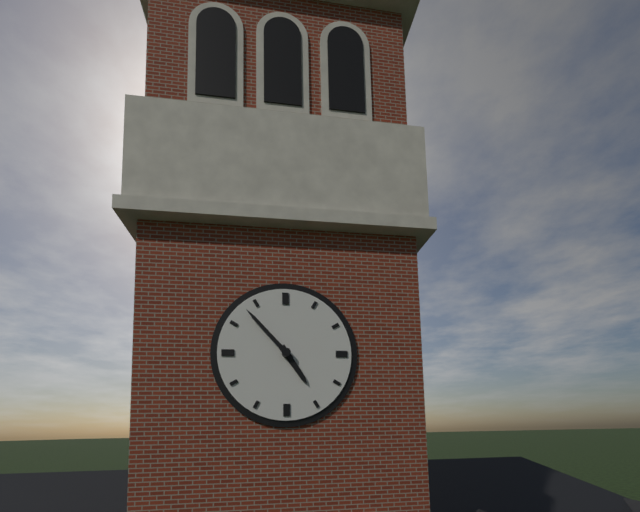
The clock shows 4:53
